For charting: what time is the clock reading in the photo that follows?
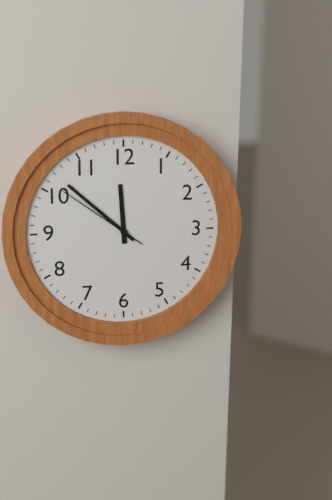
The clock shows 11:52:51
